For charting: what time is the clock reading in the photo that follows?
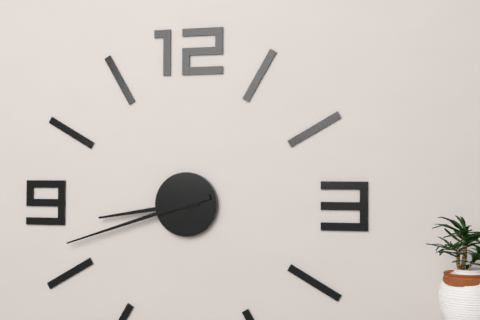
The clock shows 8:42
